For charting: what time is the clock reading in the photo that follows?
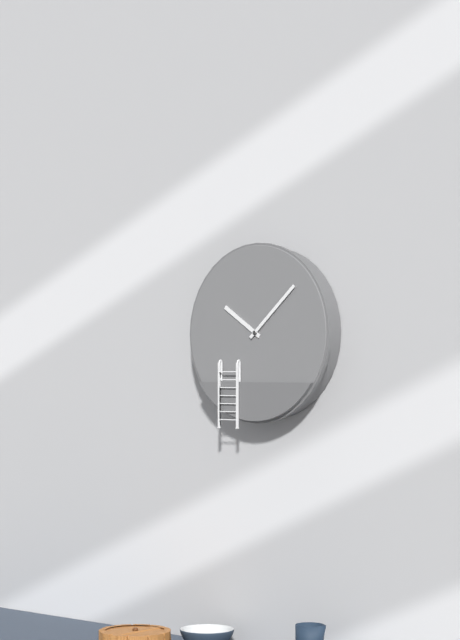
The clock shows 10:08
